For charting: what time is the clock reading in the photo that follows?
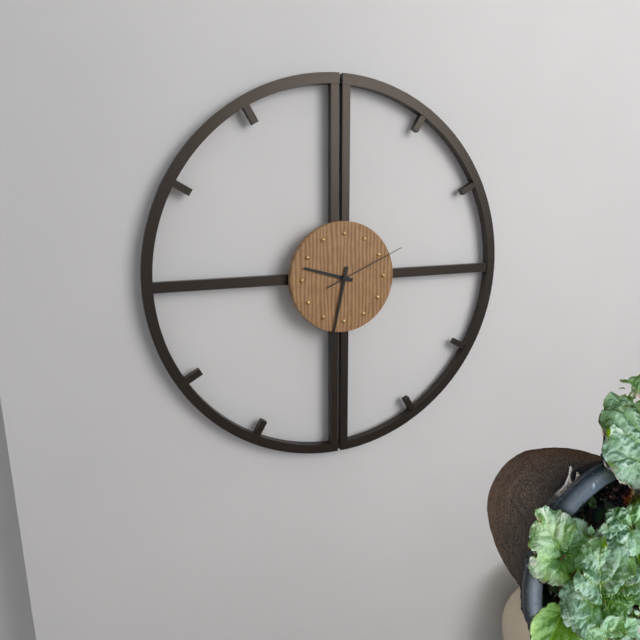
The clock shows 9:32:11
